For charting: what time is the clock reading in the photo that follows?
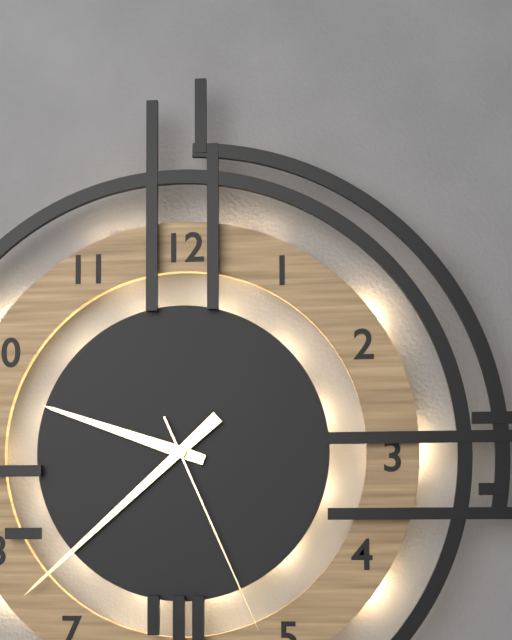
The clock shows 9:38:26
